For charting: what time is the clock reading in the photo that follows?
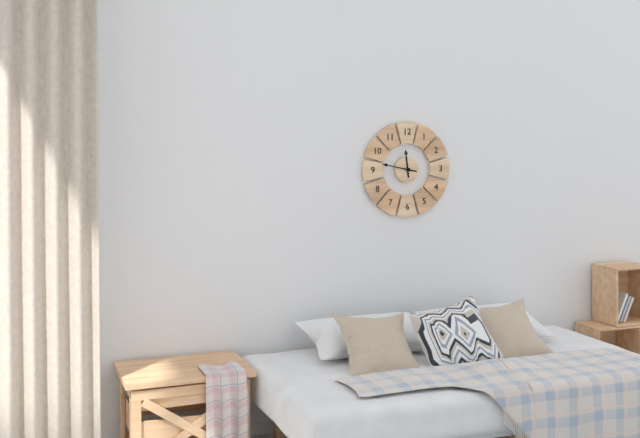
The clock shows 11:47
